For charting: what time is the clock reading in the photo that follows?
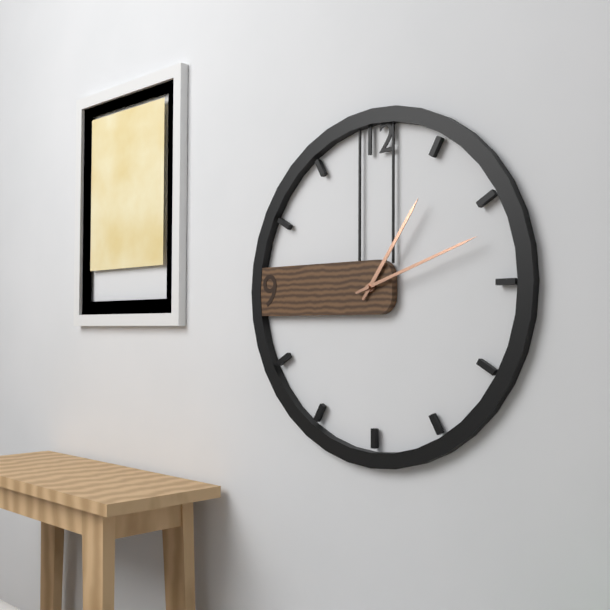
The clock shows 1:12
